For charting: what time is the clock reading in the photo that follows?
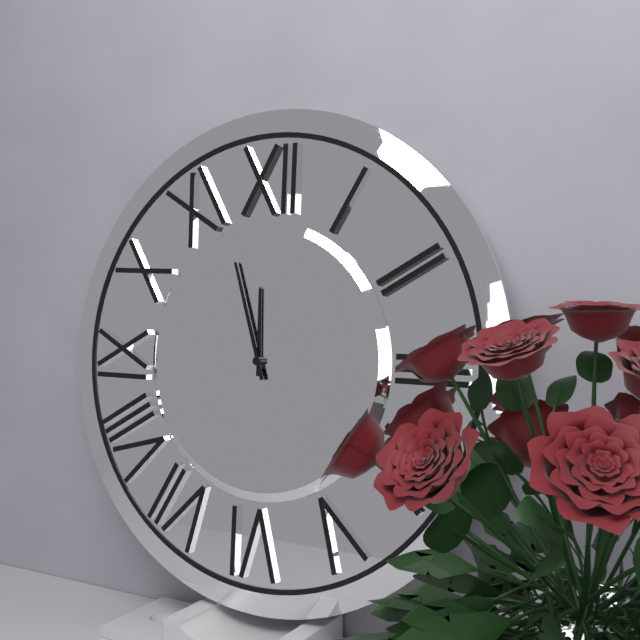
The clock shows 11:57
